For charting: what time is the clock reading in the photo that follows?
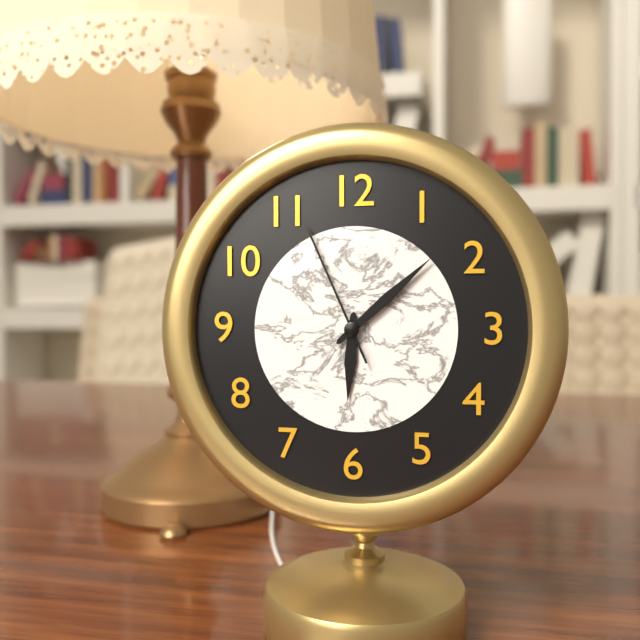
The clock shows 6:08:56
